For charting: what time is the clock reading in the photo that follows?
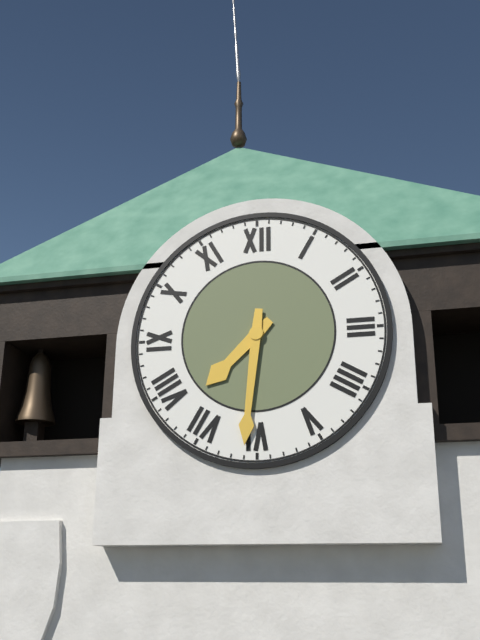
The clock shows 7:31
